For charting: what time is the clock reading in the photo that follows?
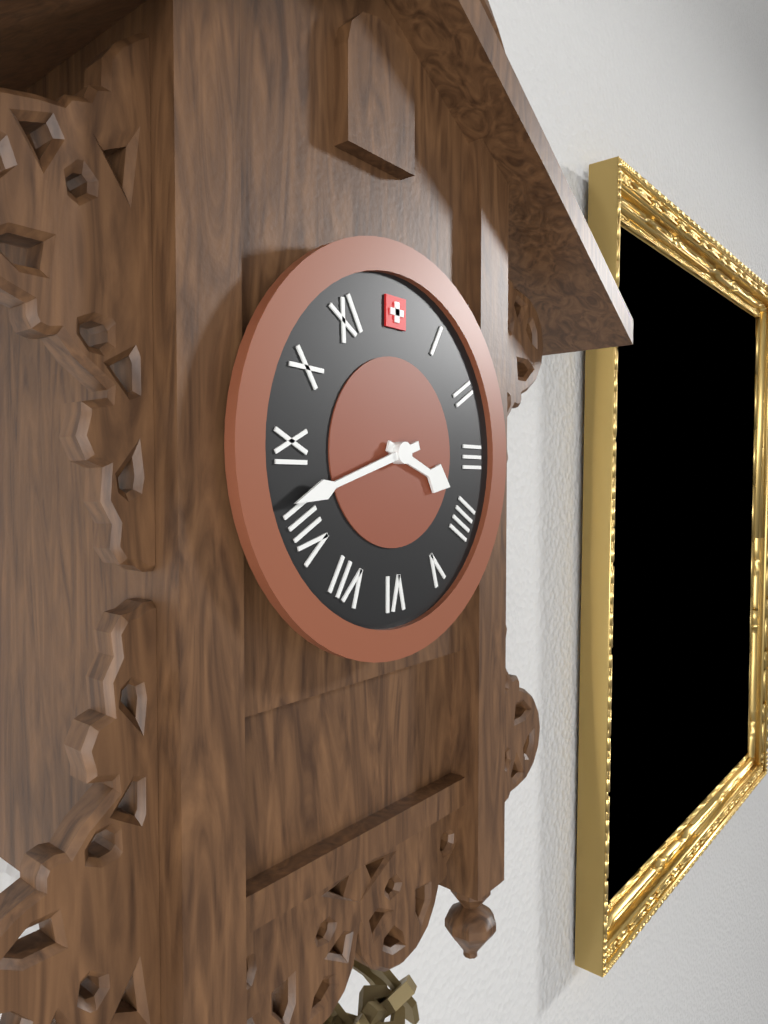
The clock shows 3:42
